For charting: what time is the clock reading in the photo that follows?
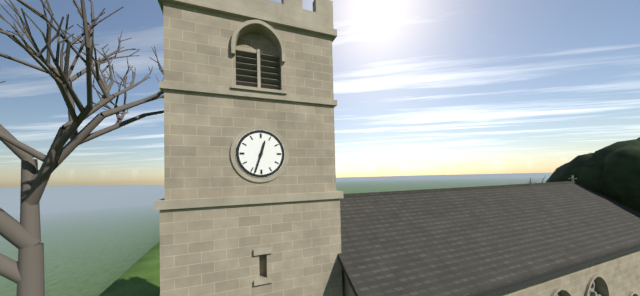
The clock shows 12:33
